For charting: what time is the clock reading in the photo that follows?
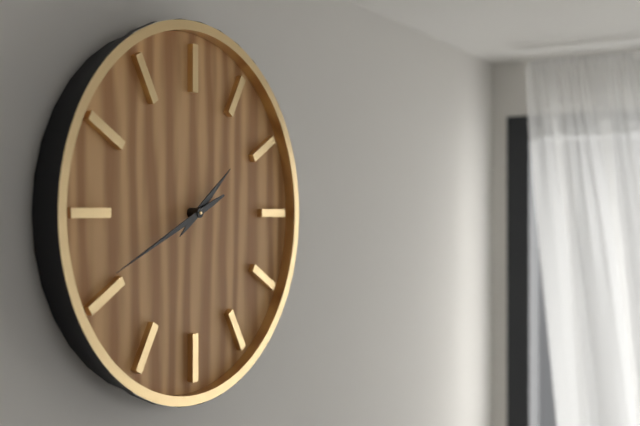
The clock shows 1:41
